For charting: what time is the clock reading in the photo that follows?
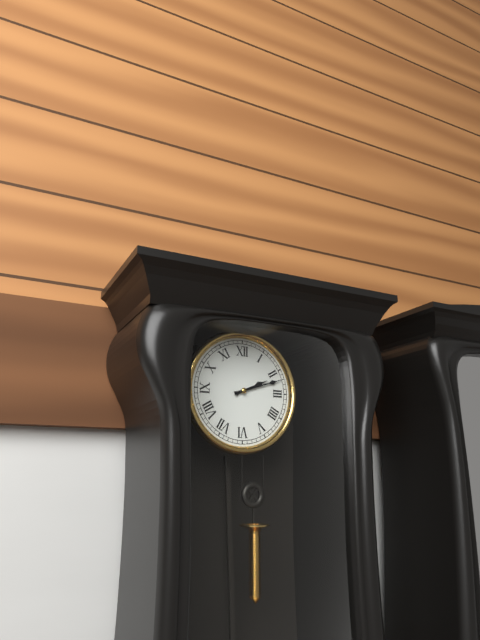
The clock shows 2:12
